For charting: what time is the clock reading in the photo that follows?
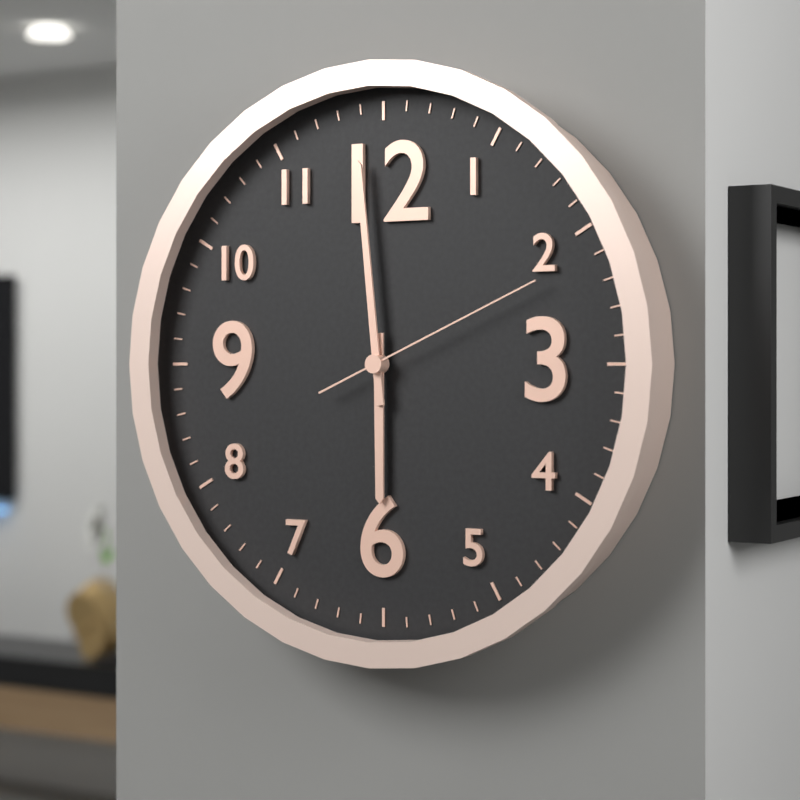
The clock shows 5:59:11
